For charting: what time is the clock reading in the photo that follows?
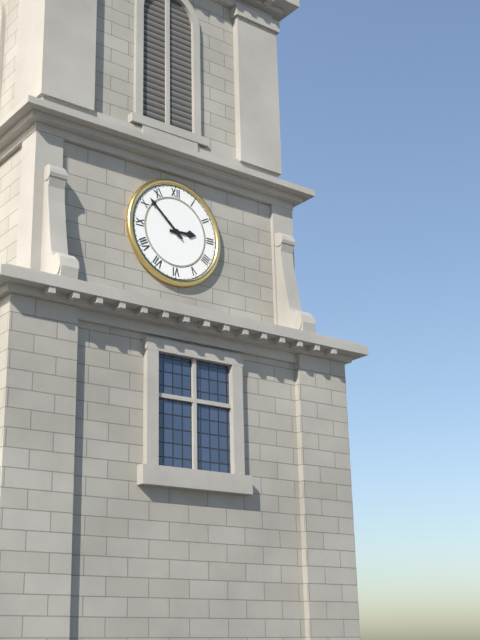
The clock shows 2:52
